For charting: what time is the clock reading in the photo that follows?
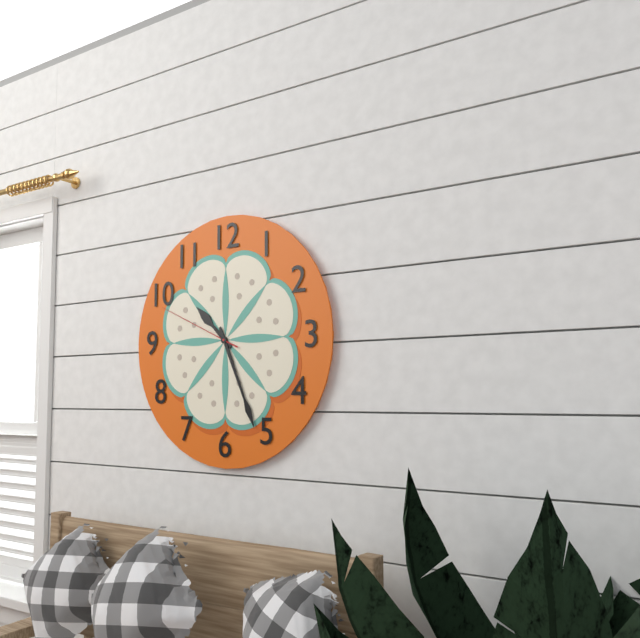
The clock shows 10:26:49
